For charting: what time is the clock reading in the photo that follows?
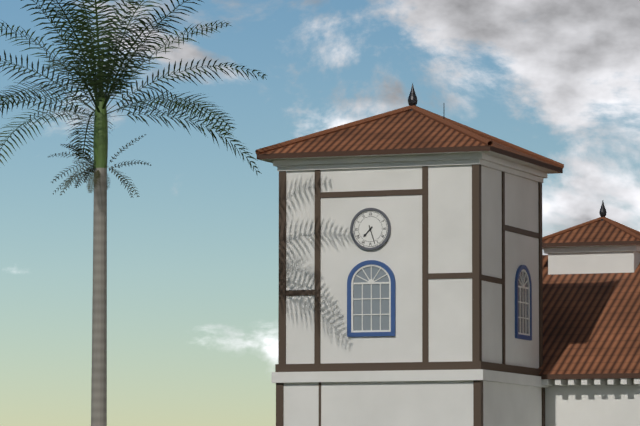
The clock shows 7:27
